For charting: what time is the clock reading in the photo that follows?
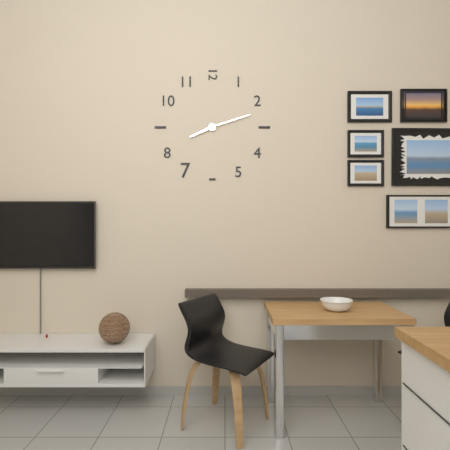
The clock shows 8:12
